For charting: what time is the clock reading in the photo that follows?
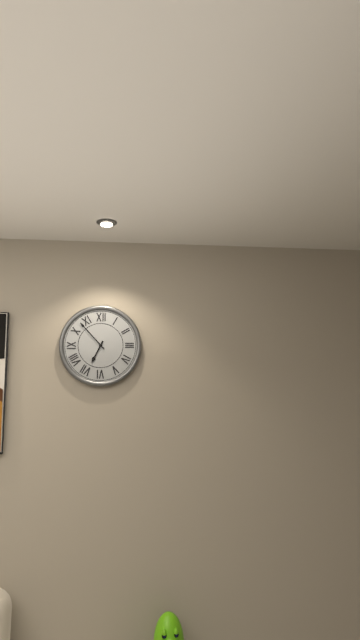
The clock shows 6:53
